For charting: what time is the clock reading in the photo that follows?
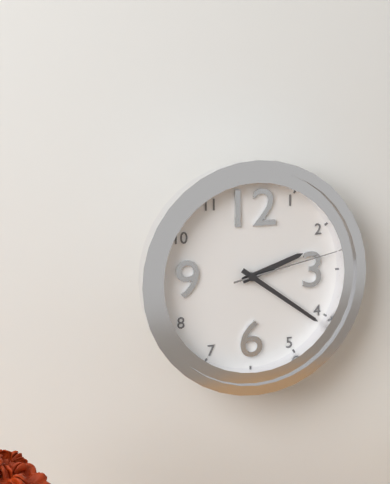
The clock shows 2:21:13
